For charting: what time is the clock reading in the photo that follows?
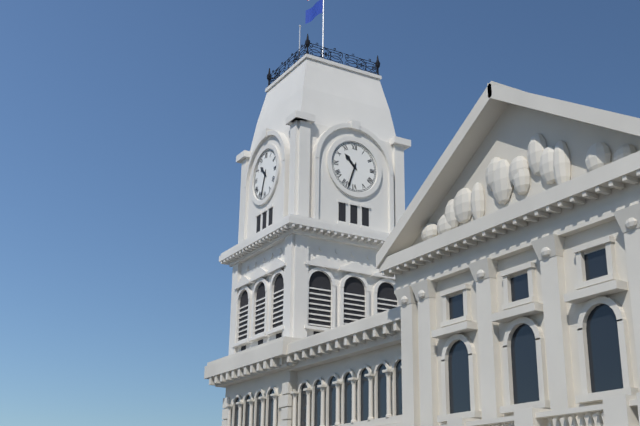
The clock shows 10:33
